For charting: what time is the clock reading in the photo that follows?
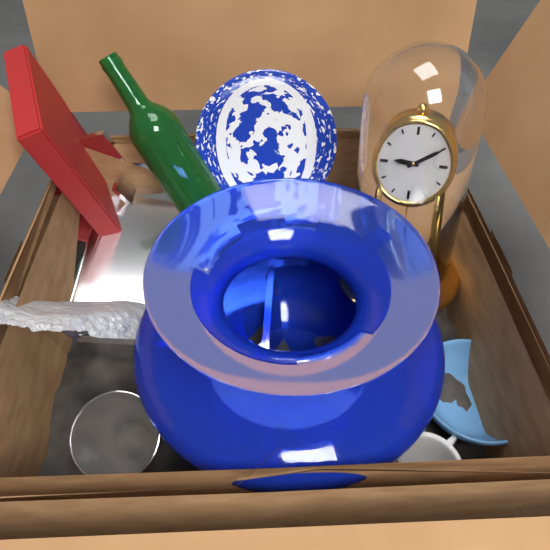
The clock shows 9:10
